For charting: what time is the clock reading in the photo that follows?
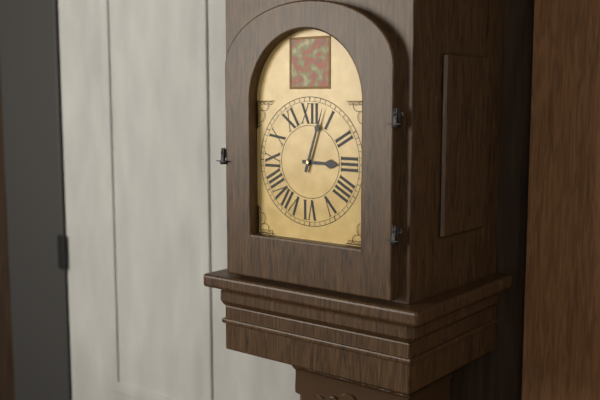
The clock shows 3:03
